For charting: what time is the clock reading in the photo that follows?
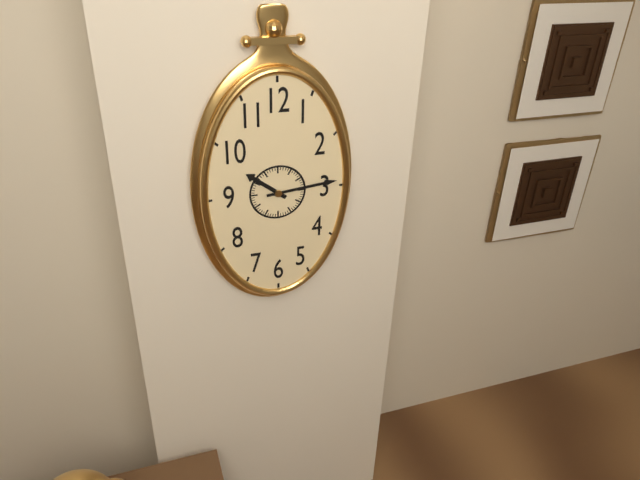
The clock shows 10:14
